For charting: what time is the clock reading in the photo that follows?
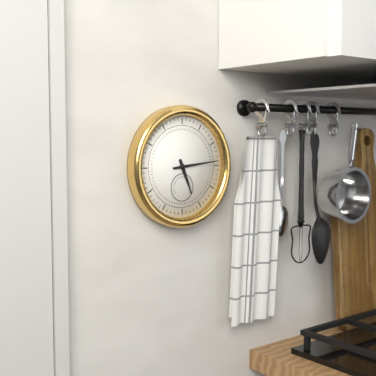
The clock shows 5:14
